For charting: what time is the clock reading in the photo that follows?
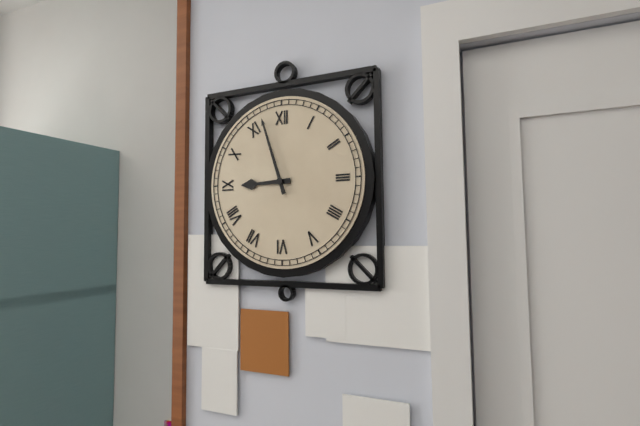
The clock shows 8:57
